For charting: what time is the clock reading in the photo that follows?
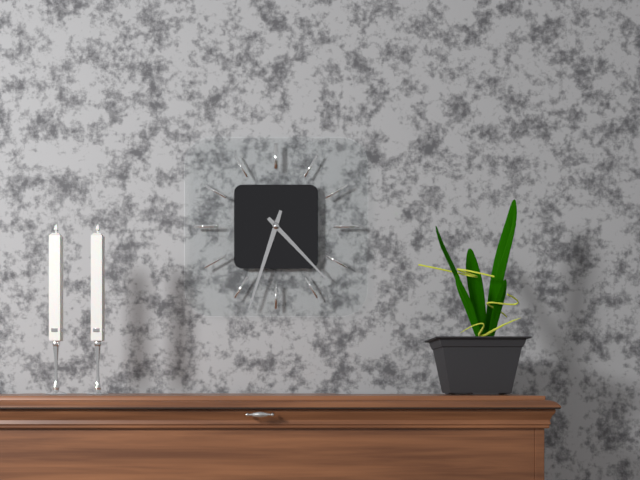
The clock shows 4:33
